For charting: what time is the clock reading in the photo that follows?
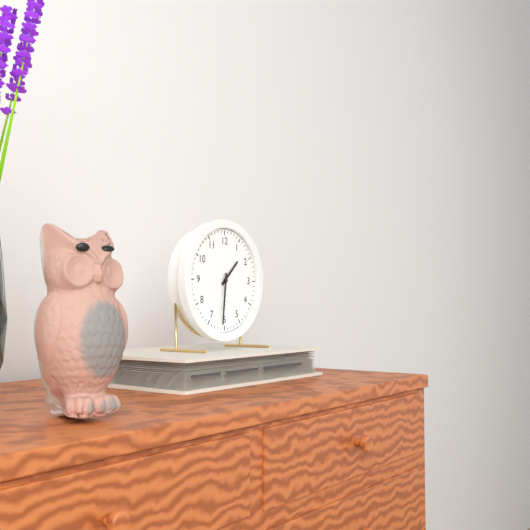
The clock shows 1:31
